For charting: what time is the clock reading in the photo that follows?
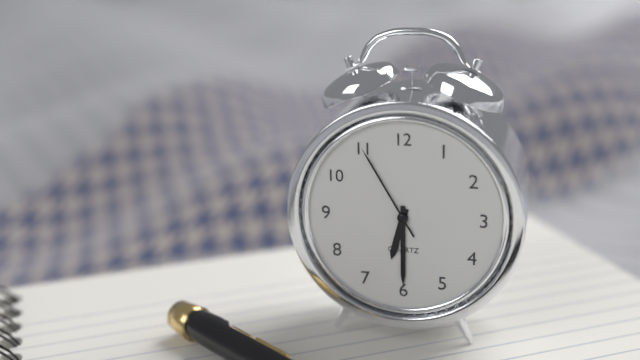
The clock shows 6:30:55
